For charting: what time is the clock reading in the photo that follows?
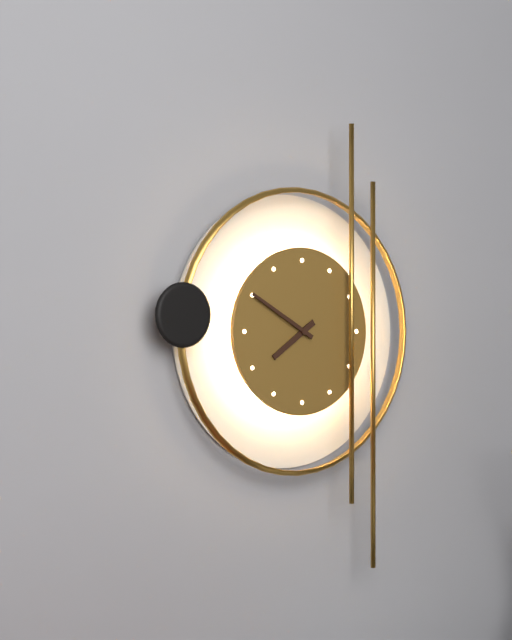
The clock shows 7:50
